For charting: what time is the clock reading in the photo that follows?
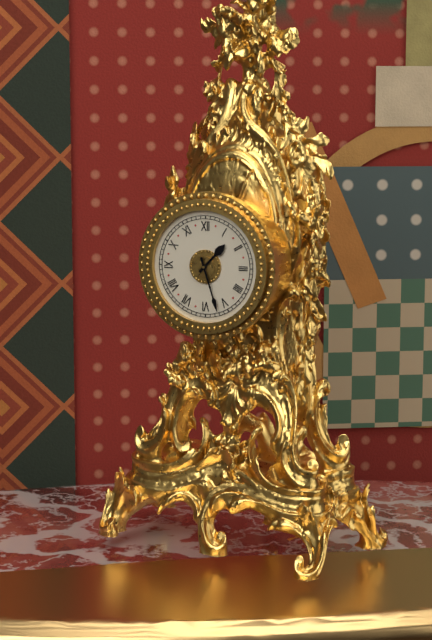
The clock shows 1:27
